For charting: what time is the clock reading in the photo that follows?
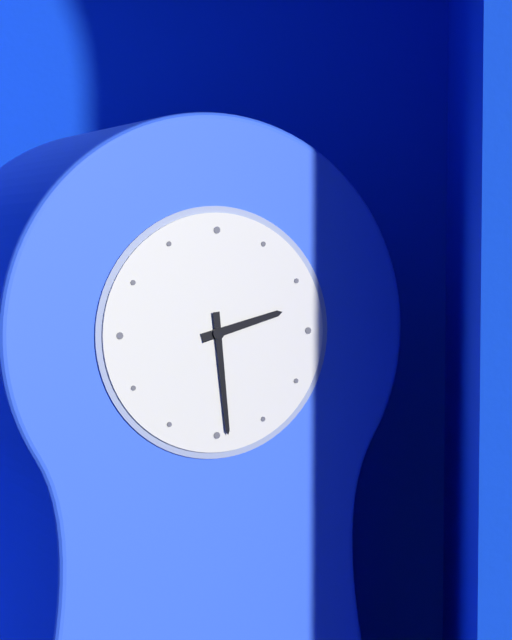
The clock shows 2:29
